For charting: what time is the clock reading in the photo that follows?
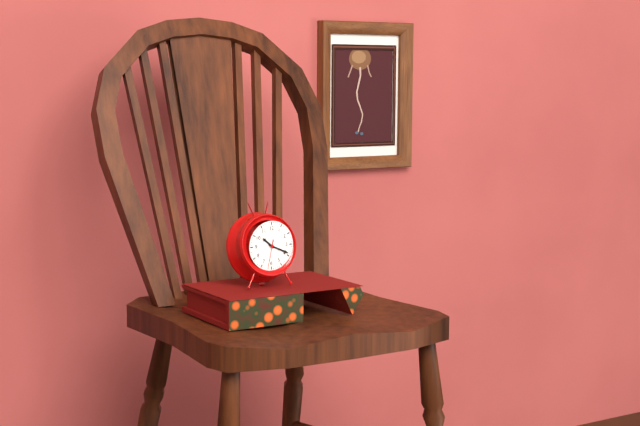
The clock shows 10:19
